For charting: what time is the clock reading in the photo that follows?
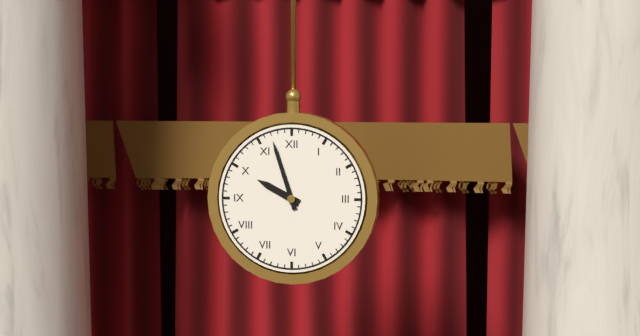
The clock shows 9:57
